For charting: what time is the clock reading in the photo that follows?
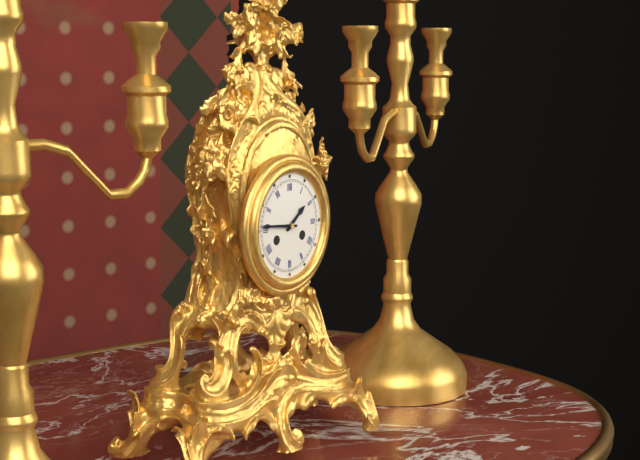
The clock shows 1:46
